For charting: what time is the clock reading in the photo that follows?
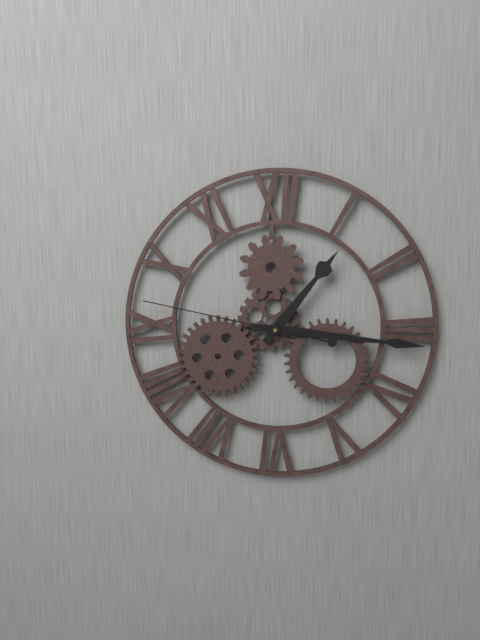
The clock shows 1:16:47
